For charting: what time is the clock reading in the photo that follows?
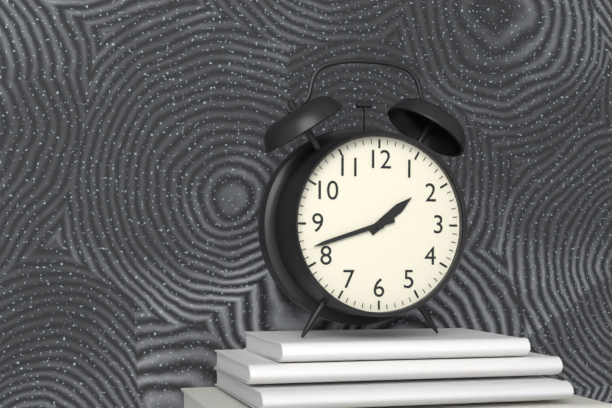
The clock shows 1:42
